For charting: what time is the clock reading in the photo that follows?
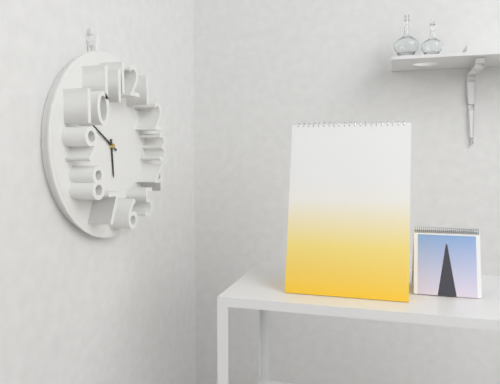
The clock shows 5:50
